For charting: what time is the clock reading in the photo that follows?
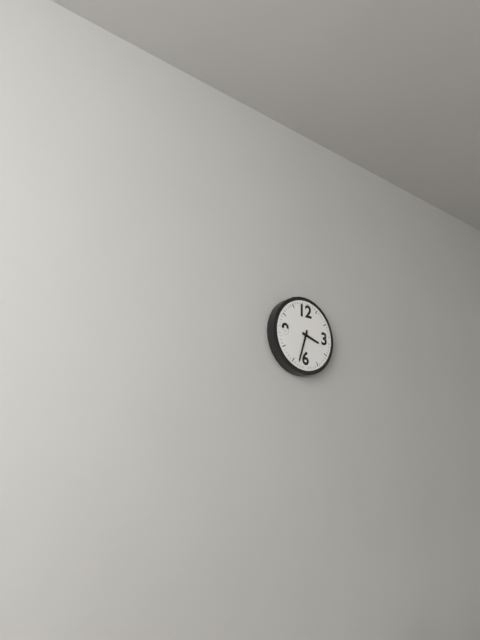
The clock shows 3:33
